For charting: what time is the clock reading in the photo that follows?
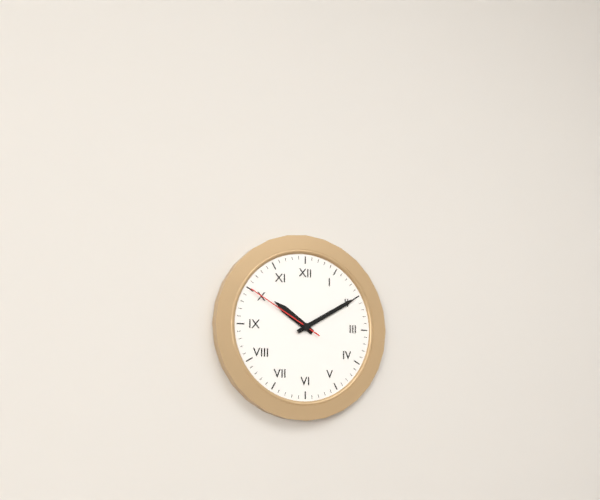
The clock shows 10:10:50
